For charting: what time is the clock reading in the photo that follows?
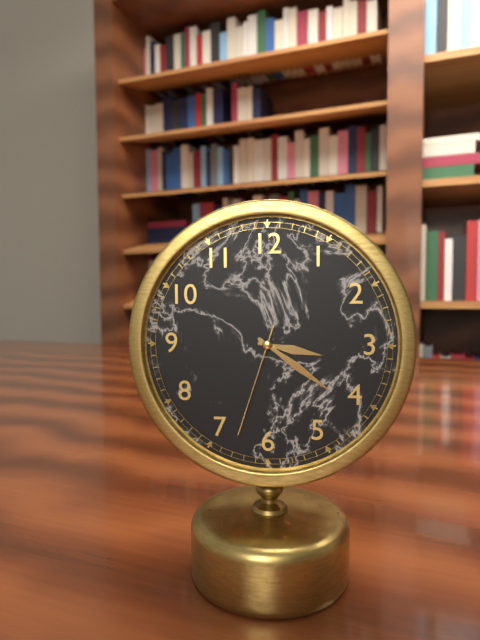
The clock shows 3:21:33
